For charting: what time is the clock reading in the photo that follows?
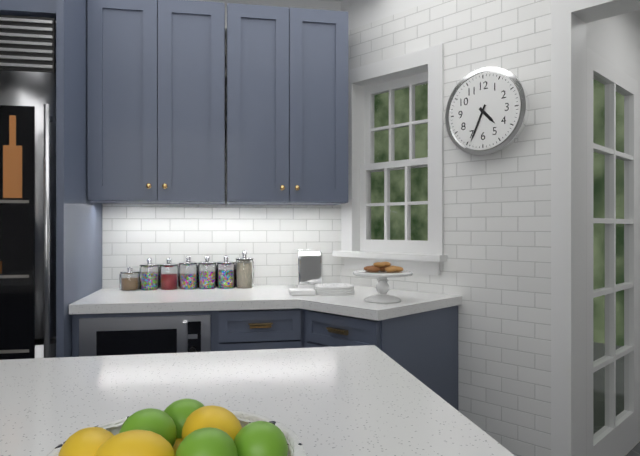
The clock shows 4:34
